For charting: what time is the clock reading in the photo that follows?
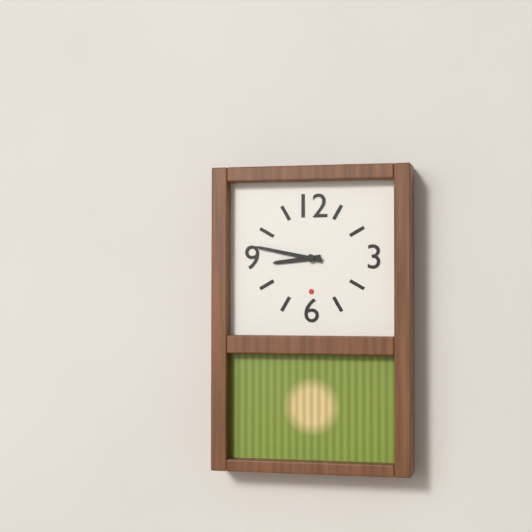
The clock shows 8:47
